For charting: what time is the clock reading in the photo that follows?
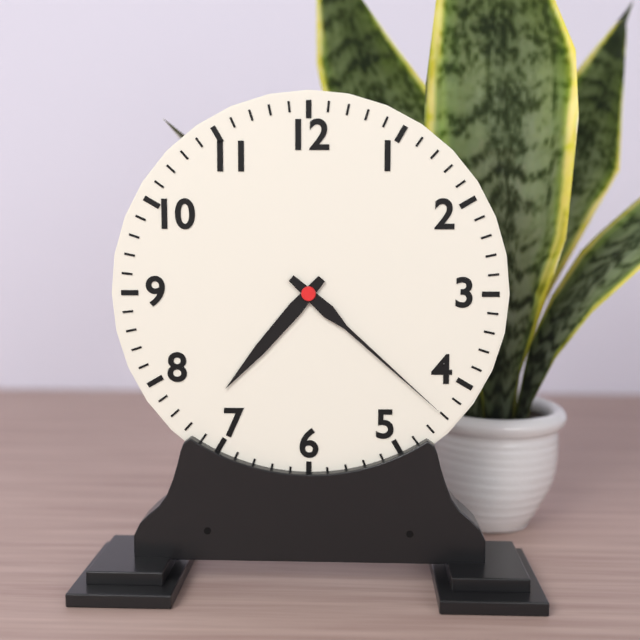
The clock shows 7:22
